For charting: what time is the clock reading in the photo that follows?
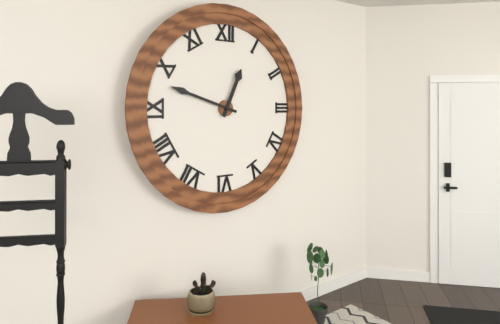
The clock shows 12:48
